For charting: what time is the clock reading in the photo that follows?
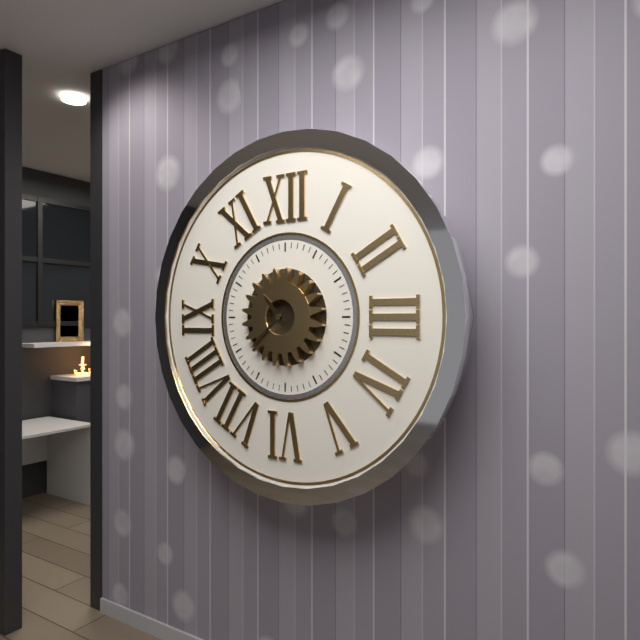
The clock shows 10:38
